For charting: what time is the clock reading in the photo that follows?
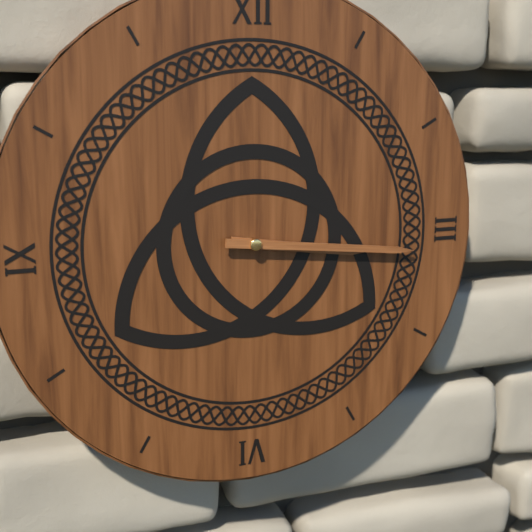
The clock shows 3:16
